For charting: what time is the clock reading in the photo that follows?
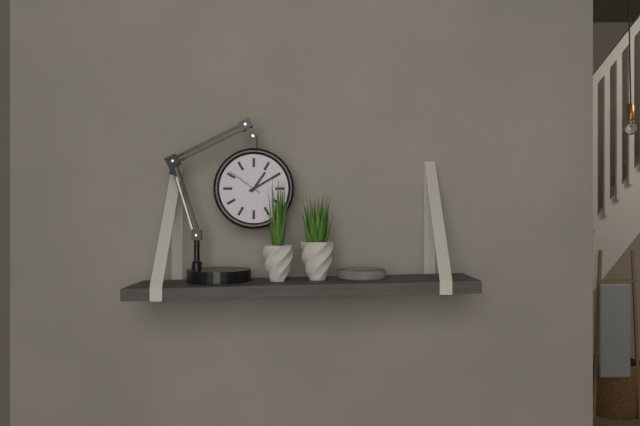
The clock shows 1:10
